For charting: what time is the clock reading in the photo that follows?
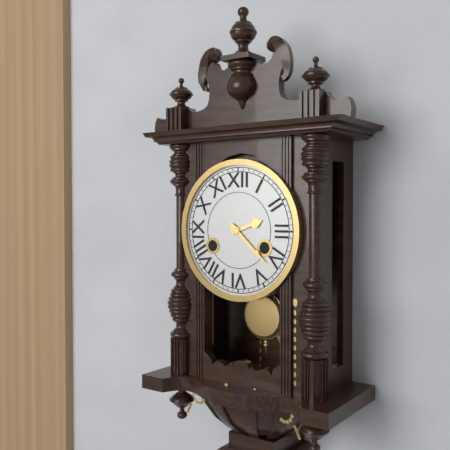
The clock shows 2:22
